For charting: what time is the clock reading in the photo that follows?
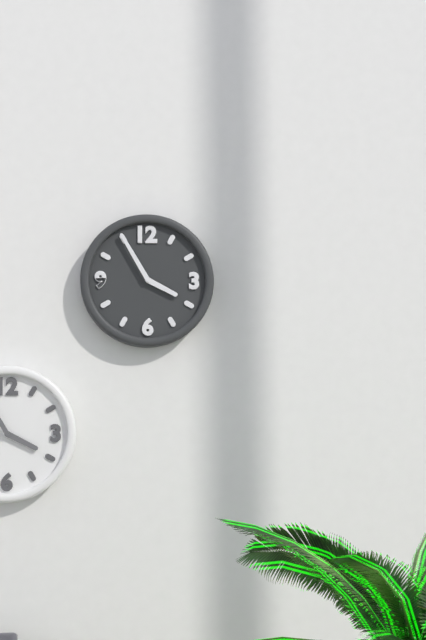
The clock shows 3:55
